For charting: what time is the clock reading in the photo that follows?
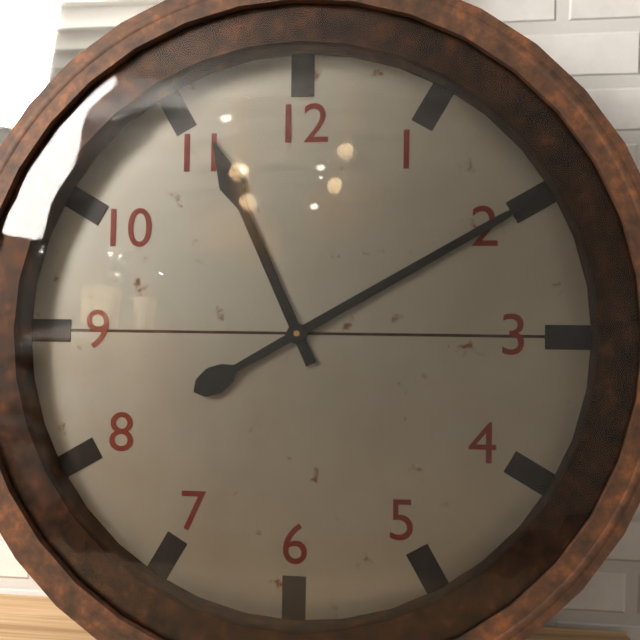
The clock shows 11:10
